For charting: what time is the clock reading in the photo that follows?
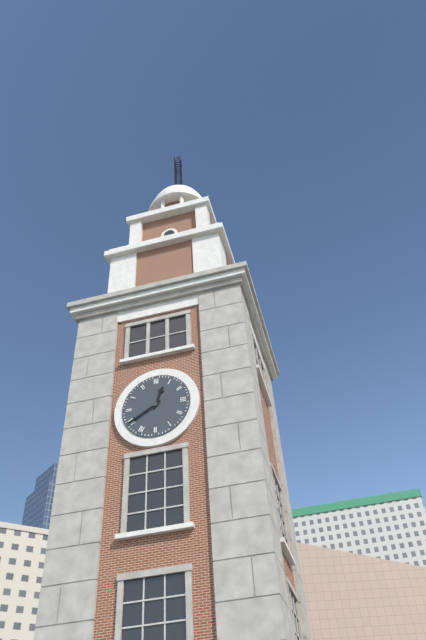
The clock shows 12:40
